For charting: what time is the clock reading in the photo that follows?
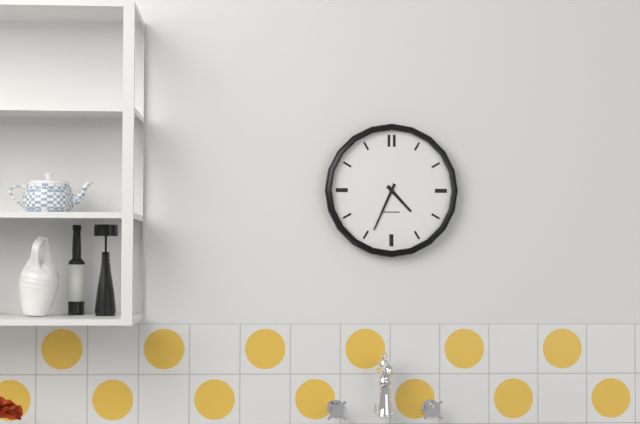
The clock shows 4:34
